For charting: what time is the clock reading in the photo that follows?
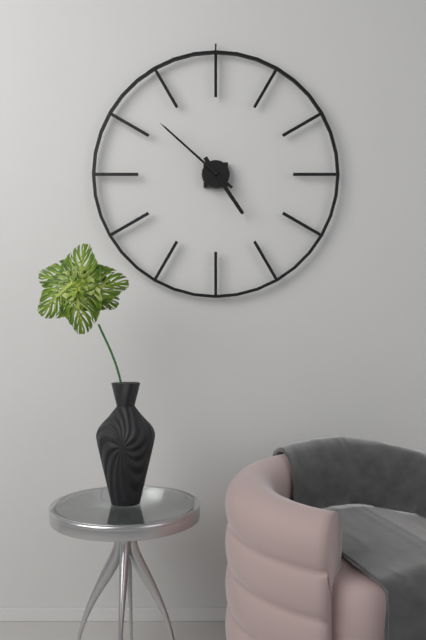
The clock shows 4:52
